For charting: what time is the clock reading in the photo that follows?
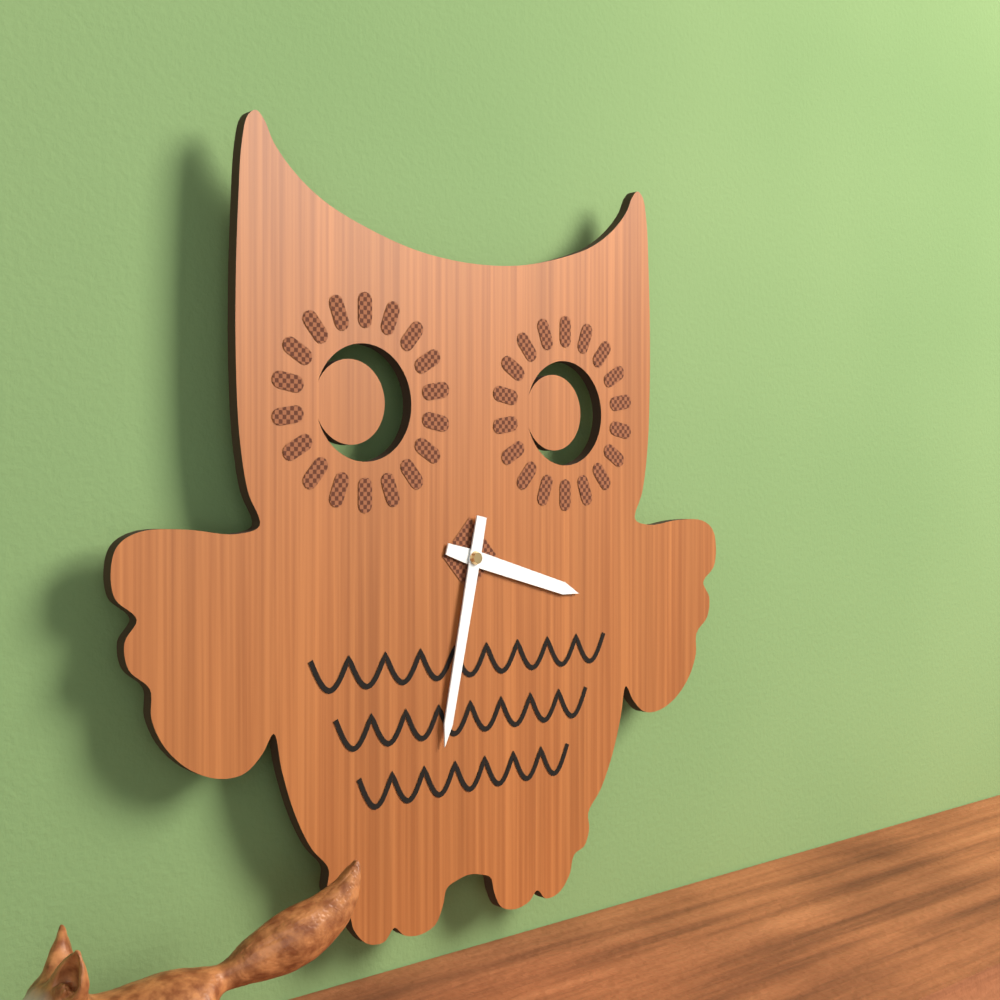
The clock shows 3:32
